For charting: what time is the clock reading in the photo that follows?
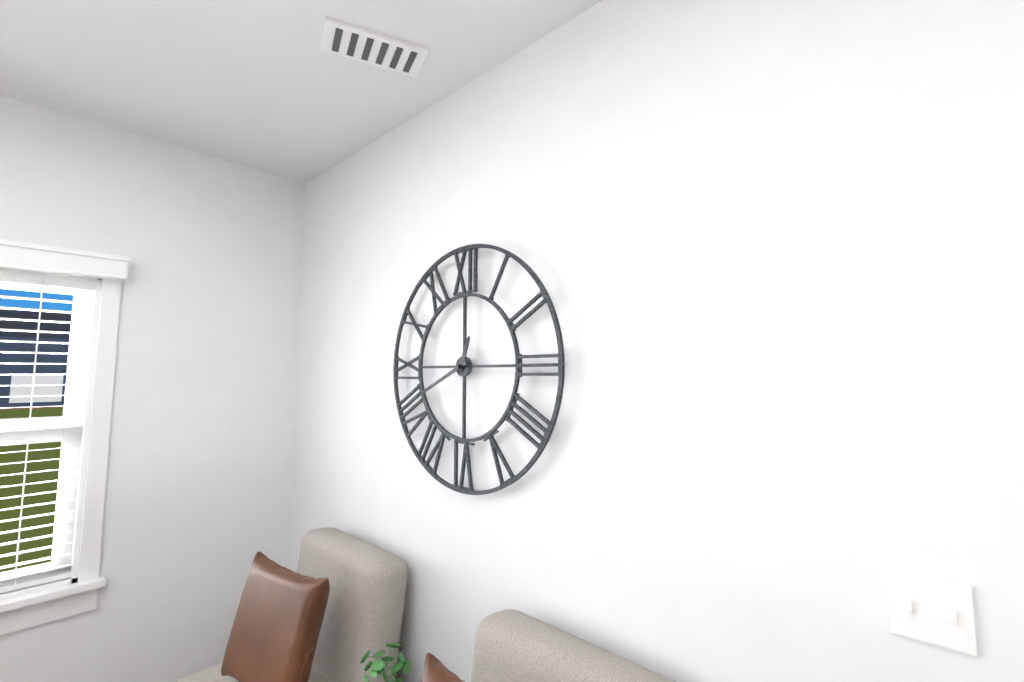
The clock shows 12:41
